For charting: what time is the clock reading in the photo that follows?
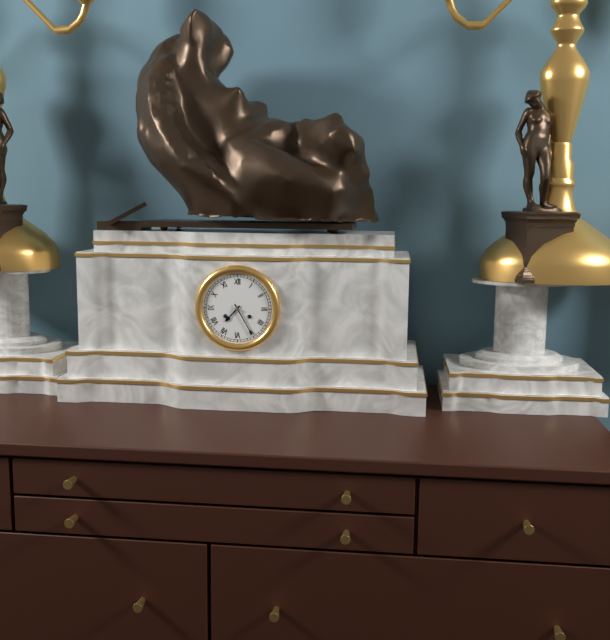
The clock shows 7:25
